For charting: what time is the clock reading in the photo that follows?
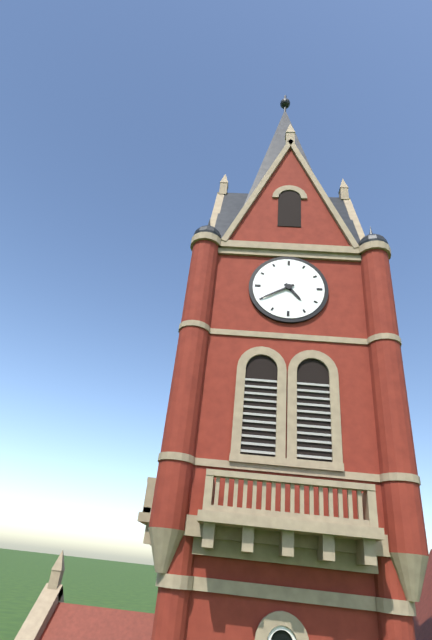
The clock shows 4:40
